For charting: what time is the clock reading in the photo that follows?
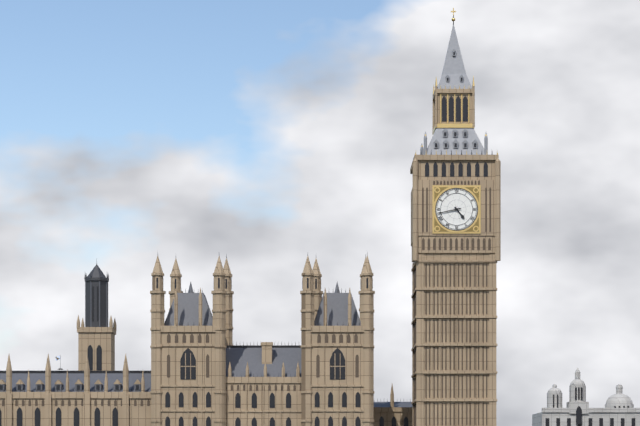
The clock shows 4:43
